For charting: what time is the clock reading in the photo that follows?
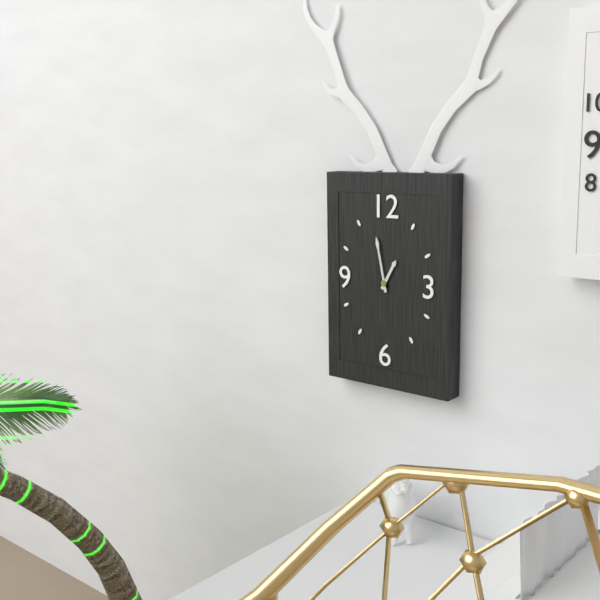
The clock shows 12:58
